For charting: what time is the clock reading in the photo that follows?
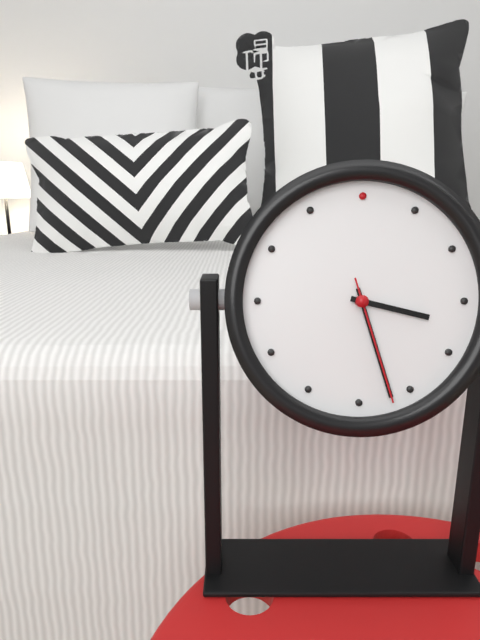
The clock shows 3:27:27
